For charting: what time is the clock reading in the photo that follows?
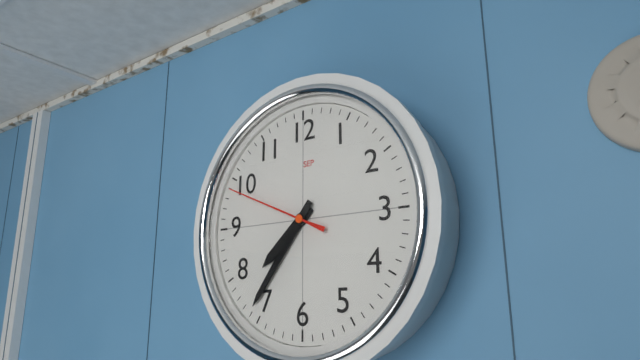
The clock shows 7:36:49
